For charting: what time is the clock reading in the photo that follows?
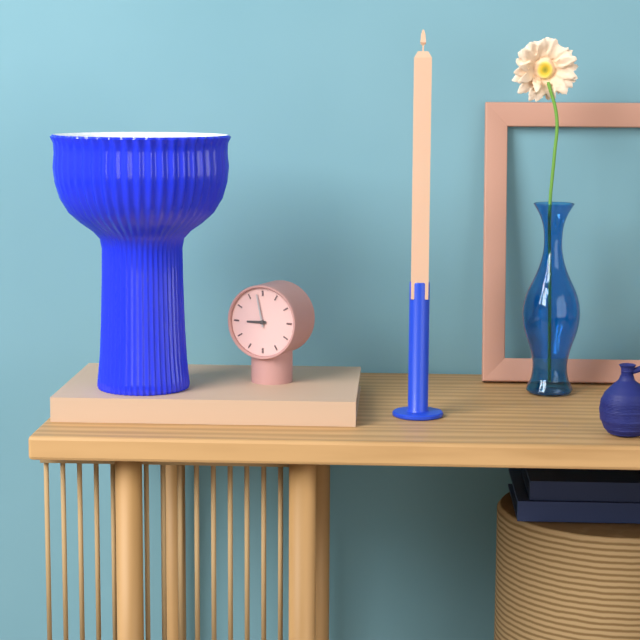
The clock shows 8:58
